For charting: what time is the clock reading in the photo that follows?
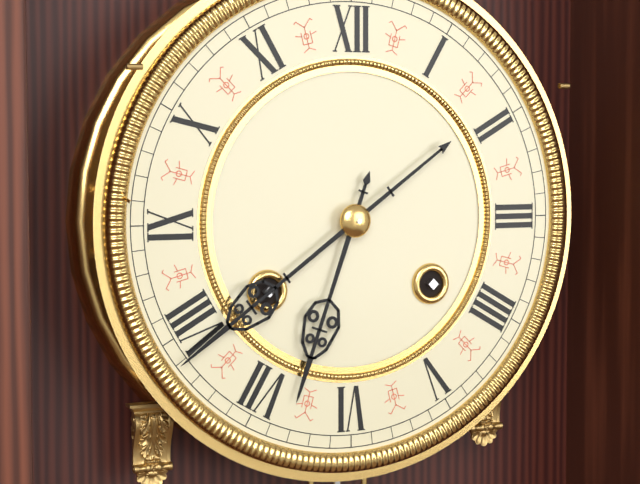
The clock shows 6:39
